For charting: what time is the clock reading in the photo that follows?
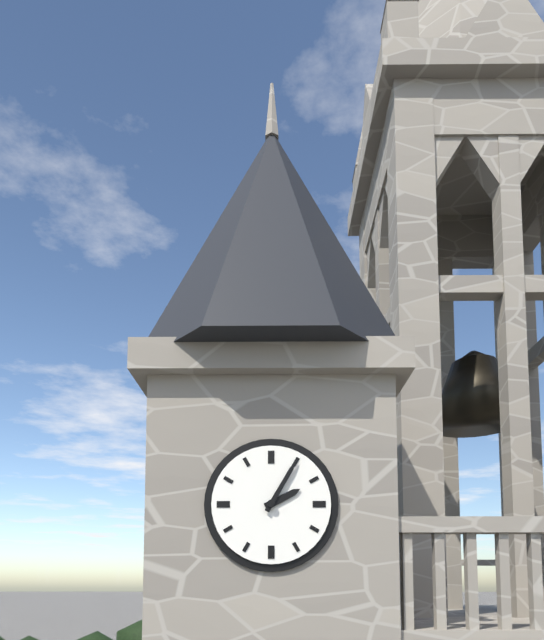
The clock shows 2:05
